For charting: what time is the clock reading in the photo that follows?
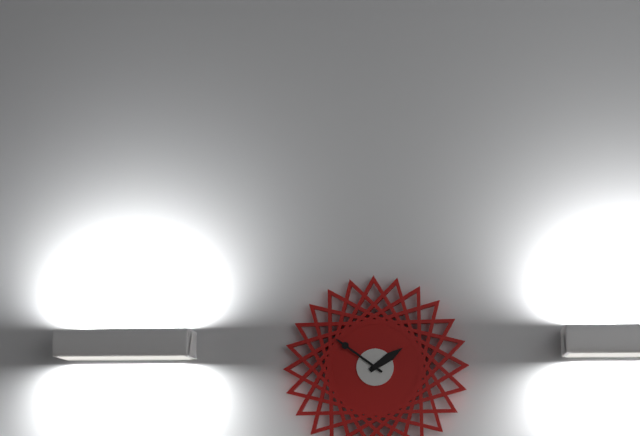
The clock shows 1:51
